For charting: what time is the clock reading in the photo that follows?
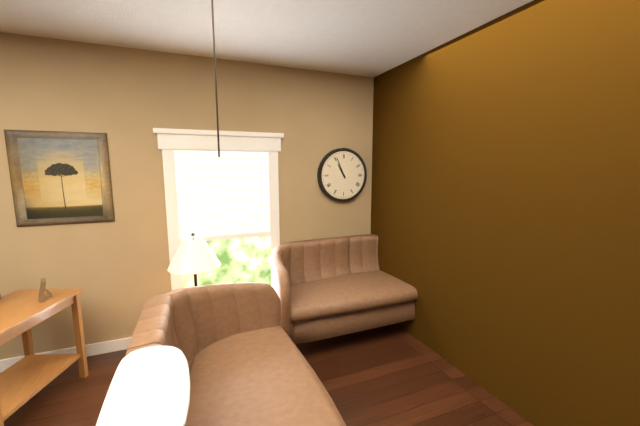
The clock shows 10:56
